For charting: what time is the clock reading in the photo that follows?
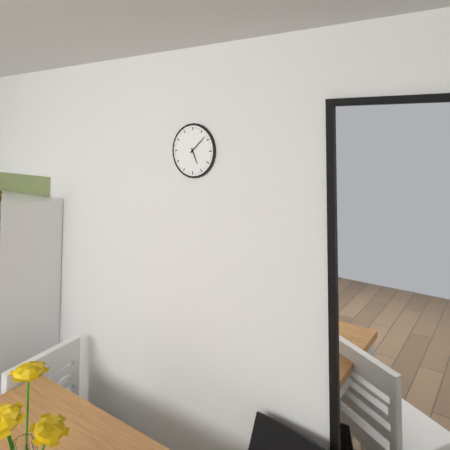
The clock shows 5:08
